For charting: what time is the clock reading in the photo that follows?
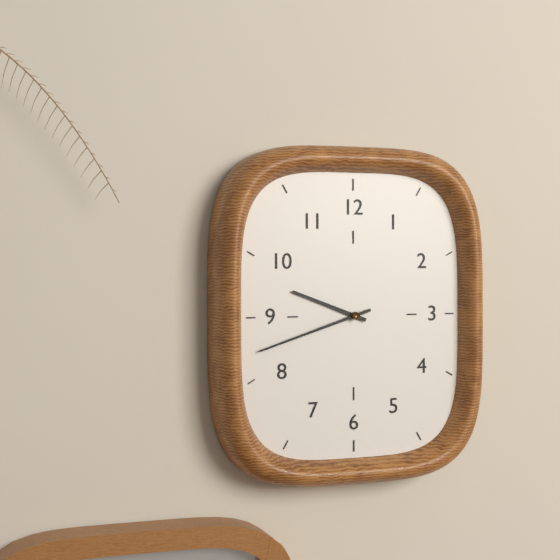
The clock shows 9:42
